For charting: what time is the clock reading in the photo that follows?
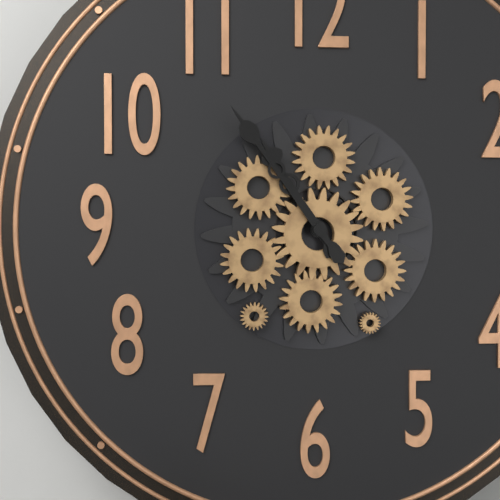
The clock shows 10:54
